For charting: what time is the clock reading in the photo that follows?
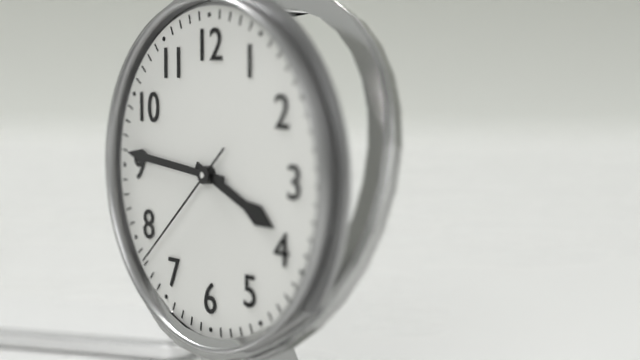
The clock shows 3:46:38
